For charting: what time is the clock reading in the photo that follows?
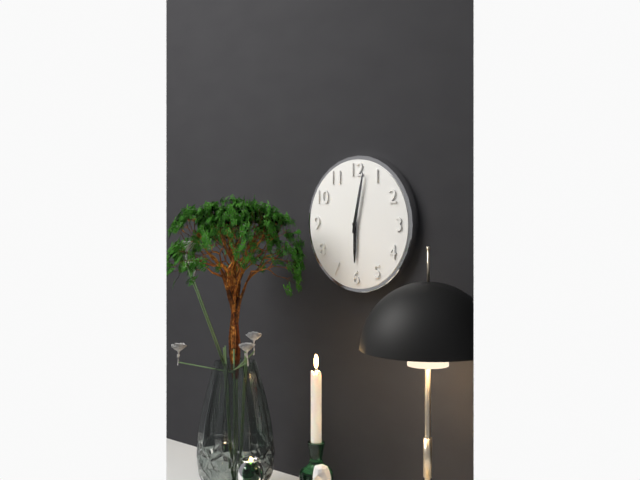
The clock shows 6:02
